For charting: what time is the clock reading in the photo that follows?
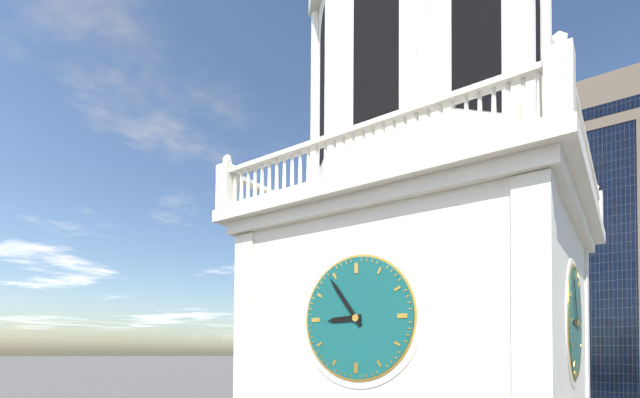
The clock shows 8:54
